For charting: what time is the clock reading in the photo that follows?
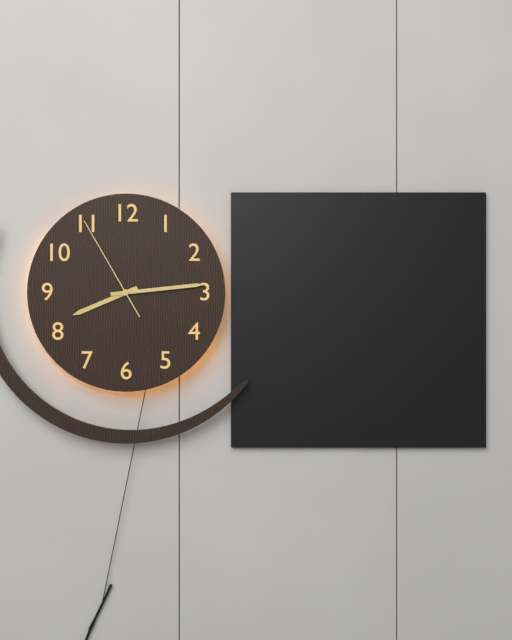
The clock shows 8:14:55
